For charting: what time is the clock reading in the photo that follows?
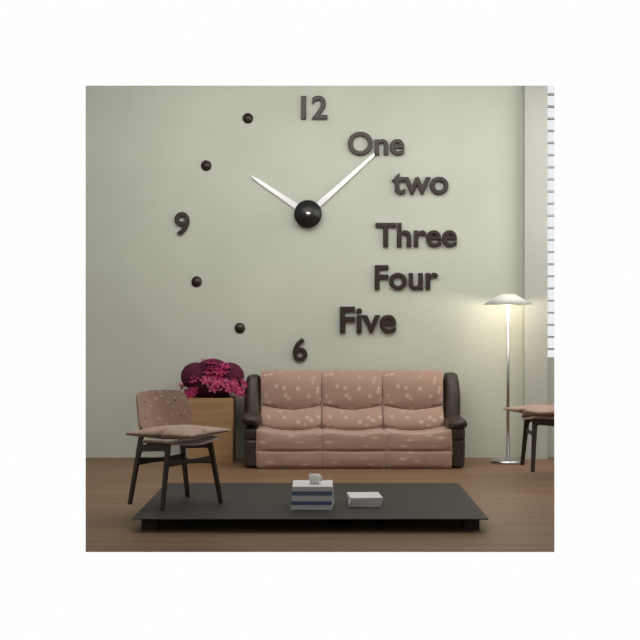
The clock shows 10:08
